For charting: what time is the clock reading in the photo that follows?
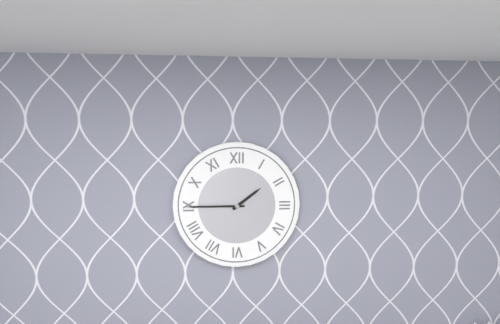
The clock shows 1:45
